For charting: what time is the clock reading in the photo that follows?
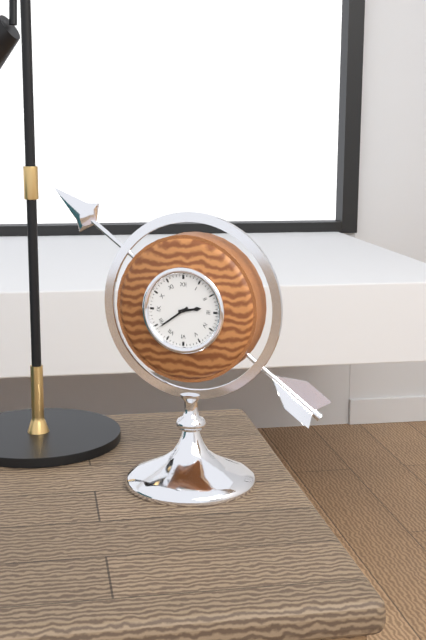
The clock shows 2:39
